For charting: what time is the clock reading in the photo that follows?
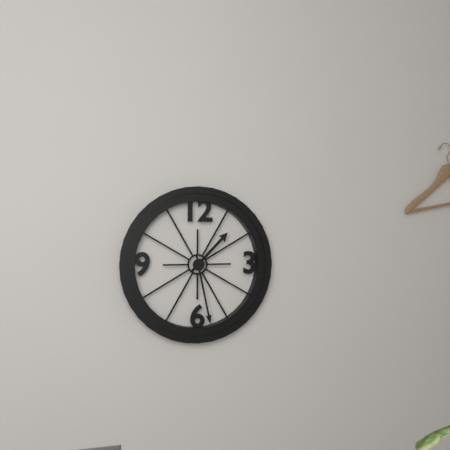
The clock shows 1:28
